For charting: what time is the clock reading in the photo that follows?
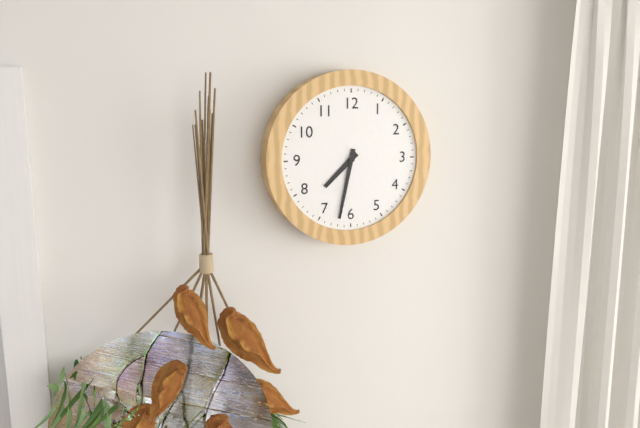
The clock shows 7:32
